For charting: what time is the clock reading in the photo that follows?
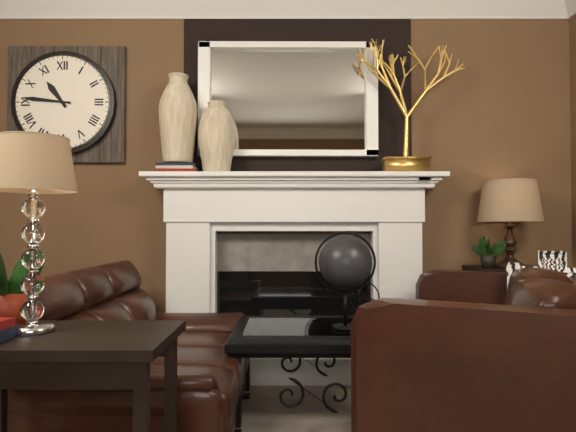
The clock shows 10:46
